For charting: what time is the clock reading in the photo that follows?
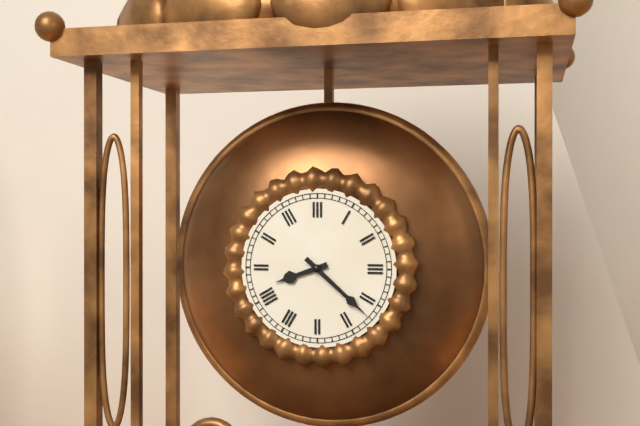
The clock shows 8:22
